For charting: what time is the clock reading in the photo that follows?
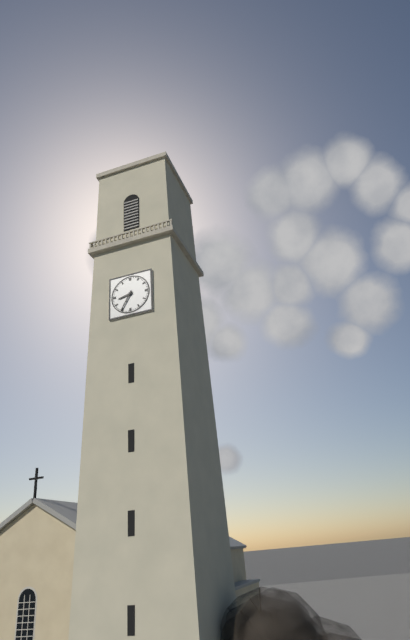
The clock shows 8:35
